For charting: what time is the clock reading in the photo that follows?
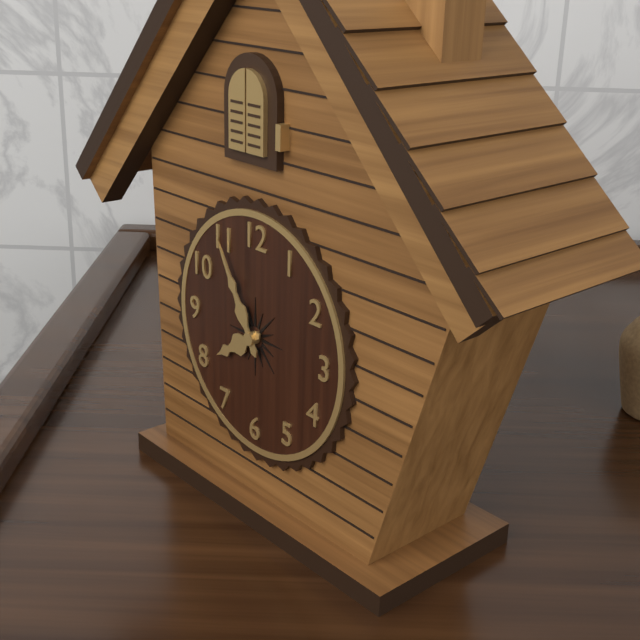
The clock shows 7:55
